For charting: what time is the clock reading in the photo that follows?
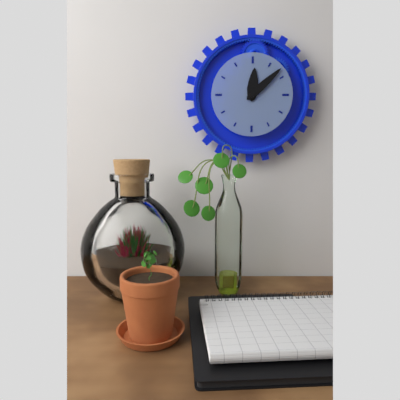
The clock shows 12:08
